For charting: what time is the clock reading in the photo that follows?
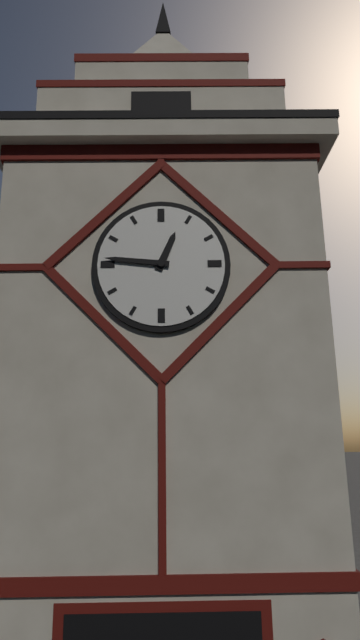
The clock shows 12:46
